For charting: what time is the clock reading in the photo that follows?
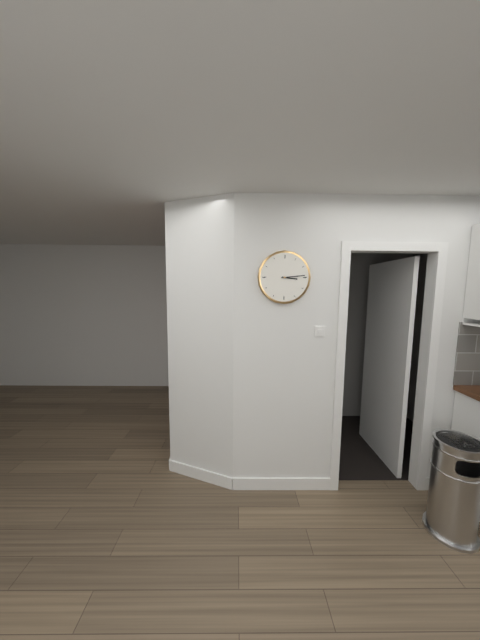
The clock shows 3:14
